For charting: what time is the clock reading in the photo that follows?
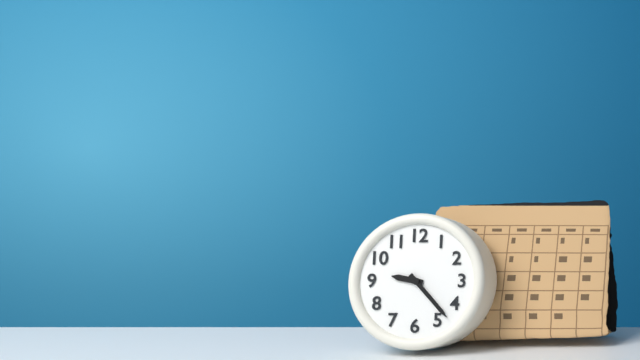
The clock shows 9:23
